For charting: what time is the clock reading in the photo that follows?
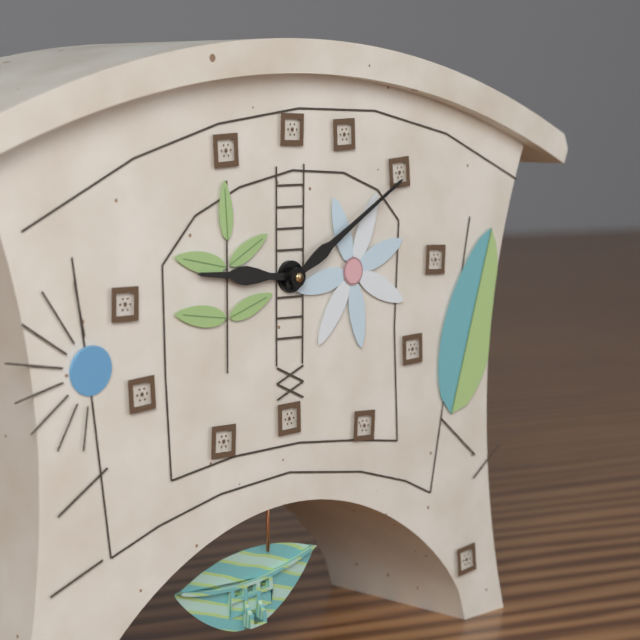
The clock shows 9:10
